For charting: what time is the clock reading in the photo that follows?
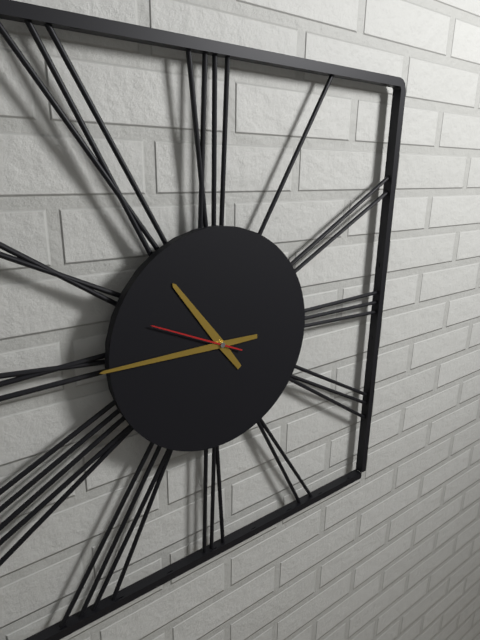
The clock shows 10:45:49
